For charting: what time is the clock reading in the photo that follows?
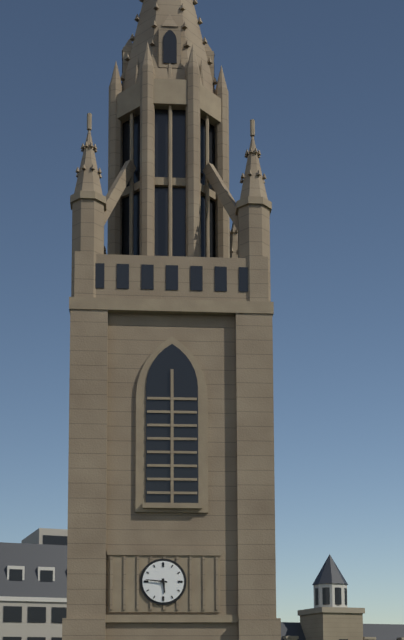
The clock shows 5:46
